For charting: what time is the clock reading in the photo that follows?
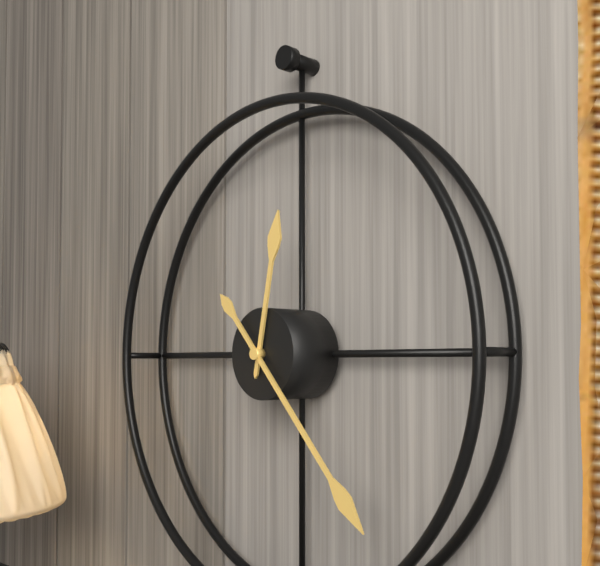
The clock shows 12:23
